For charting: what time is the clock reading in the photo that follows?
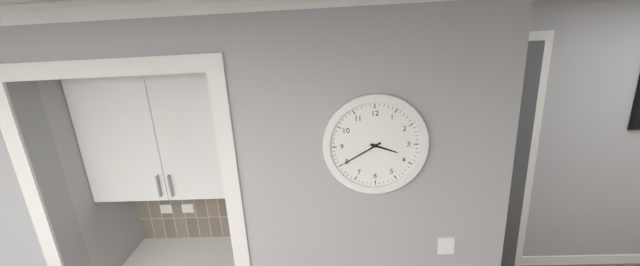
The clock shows 3:40
